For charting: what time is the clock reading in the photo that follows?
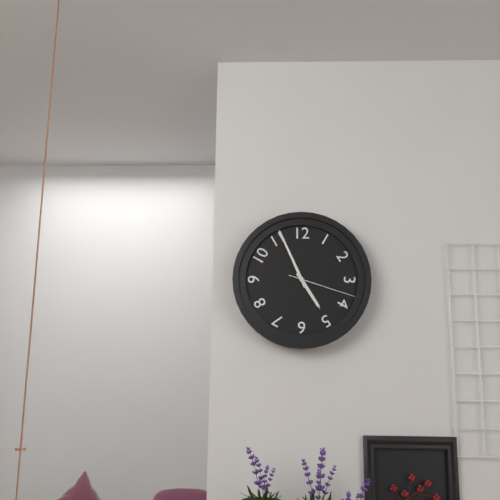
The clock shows 4:56:18
